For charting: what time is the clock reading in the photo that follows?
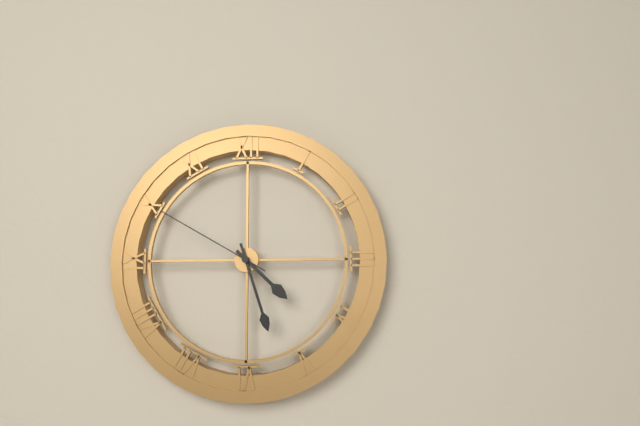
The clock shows 4:27:50
